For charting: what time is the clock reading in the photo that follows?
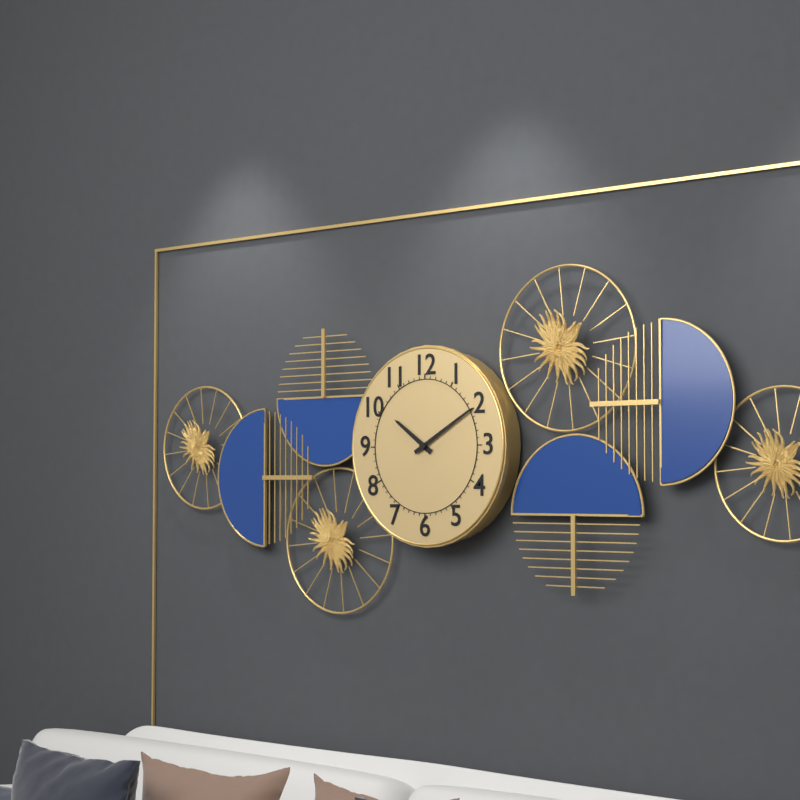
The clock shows 10:10
